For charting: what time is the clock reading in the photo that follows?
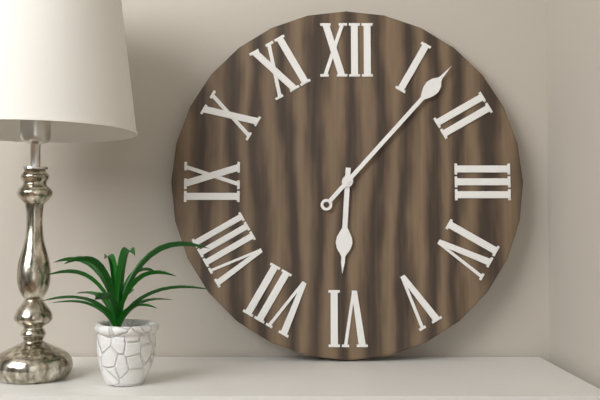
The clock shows 6:07
